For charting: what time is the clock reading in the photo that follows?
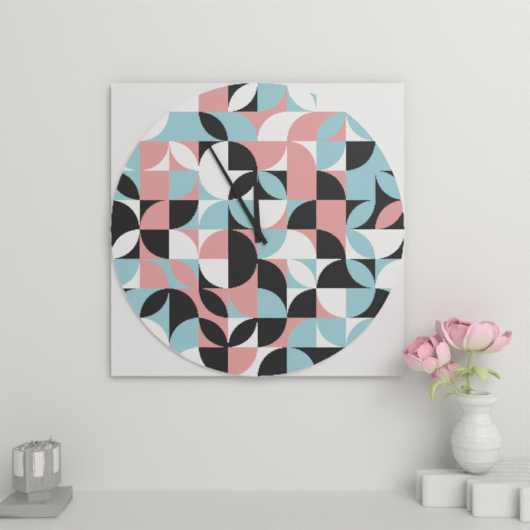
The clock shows 11:55
